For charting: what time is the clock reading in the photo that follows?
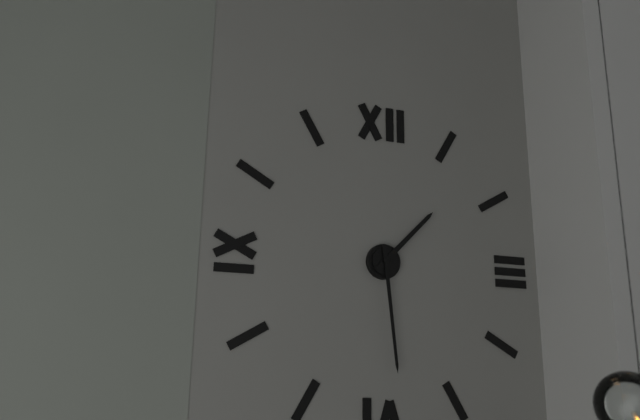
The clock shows 1:29
